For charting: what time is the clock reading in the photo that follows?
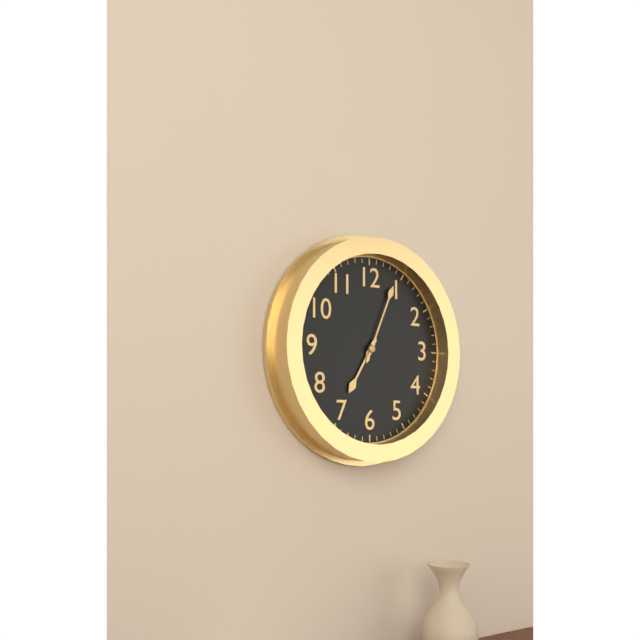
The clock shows 7:04
